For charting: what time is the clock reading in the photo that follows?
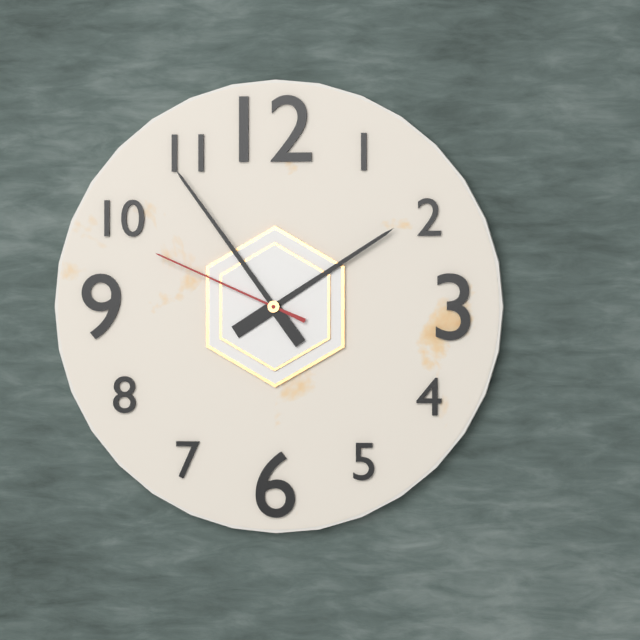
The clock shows 1:54:49
